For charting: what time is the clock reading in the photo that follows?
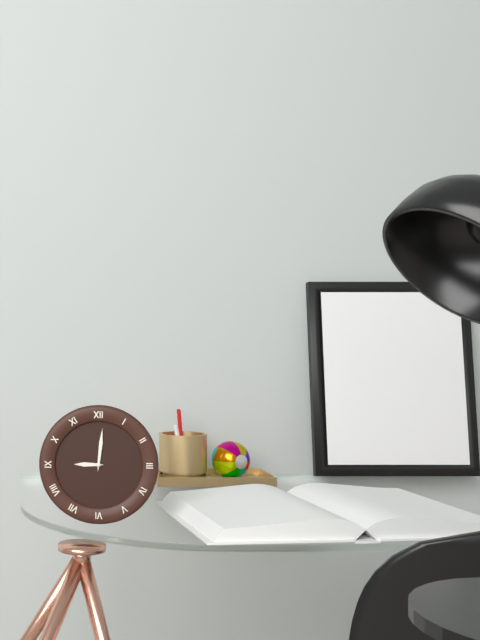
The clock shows 9:01
